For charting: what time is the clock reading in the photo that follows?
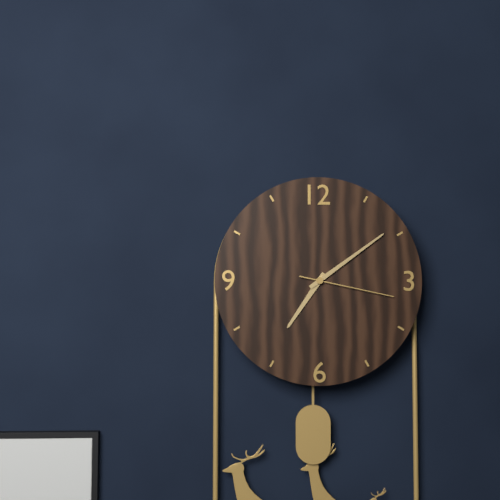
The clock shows 7:09:17
